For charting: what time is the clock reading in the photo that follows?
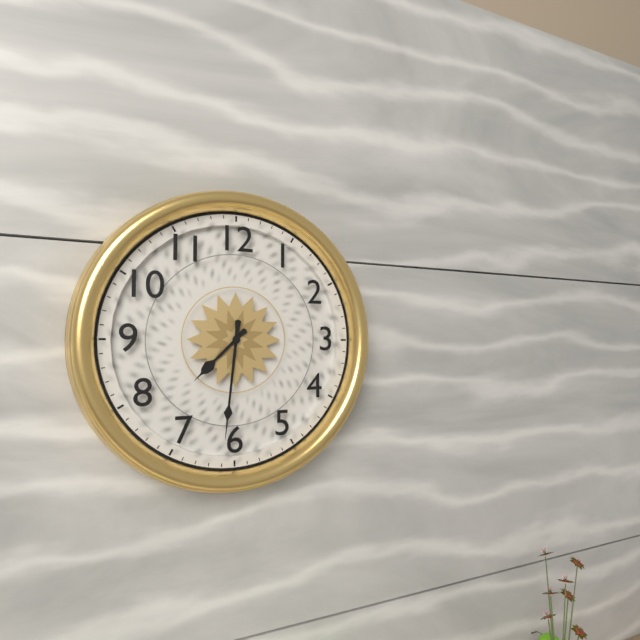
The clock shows 7:31
